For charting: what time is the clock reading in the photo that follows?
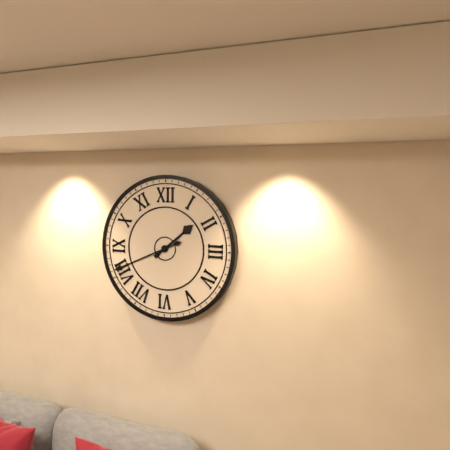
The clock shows 1:41
